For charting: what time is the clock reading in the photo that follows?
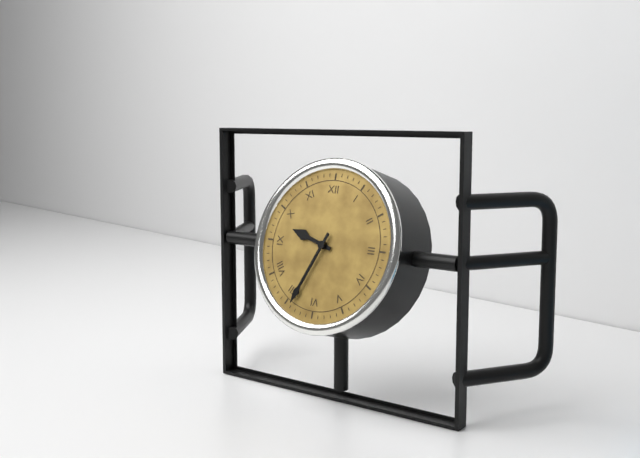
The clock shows 9:34
